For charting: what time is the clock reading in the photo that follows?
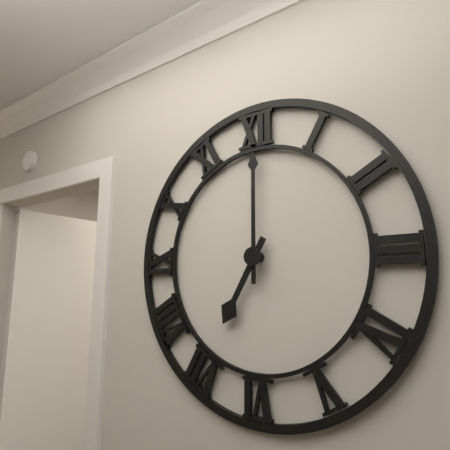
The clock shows 7:00
